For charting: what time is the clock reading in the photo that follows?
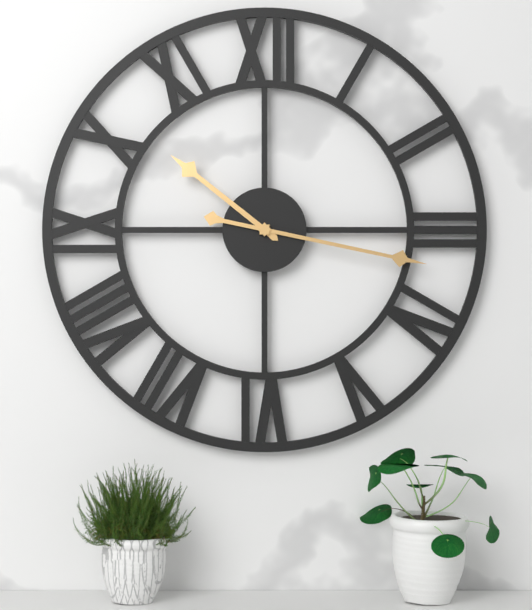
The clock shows 10:17
